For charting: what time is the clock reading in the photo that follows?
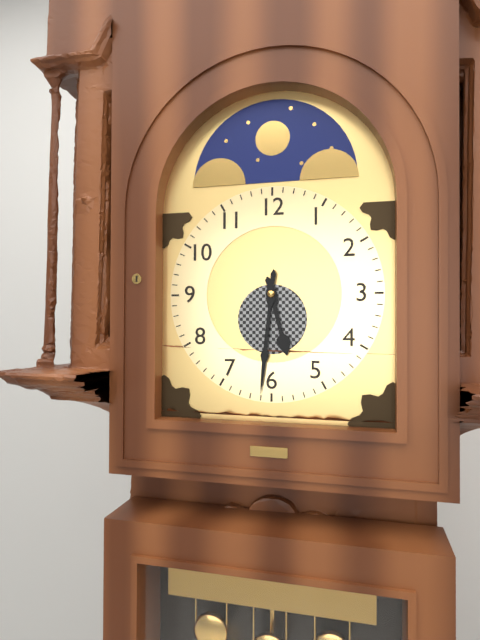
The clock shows 5:31
